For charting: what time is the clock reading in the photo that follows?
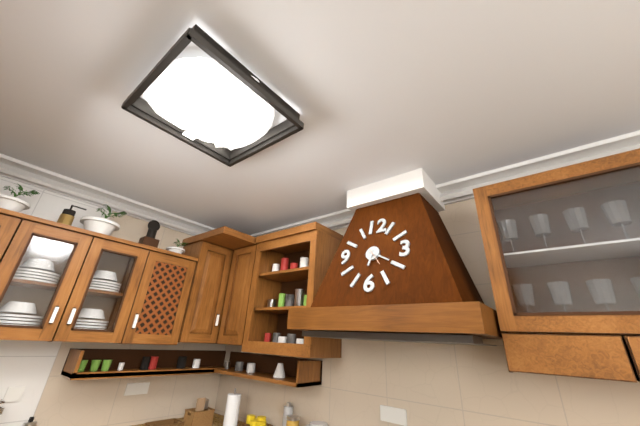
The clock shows 6:20
